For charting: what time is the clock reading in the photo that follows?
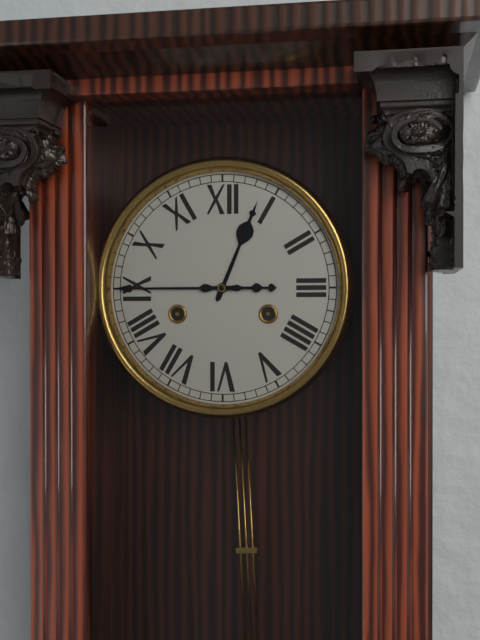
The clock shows 12:45
